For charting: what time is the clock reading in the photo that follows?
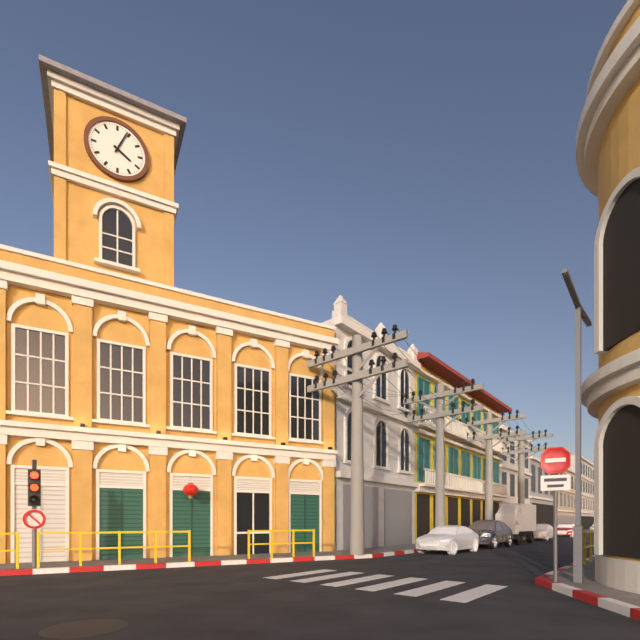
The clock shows 4:04
